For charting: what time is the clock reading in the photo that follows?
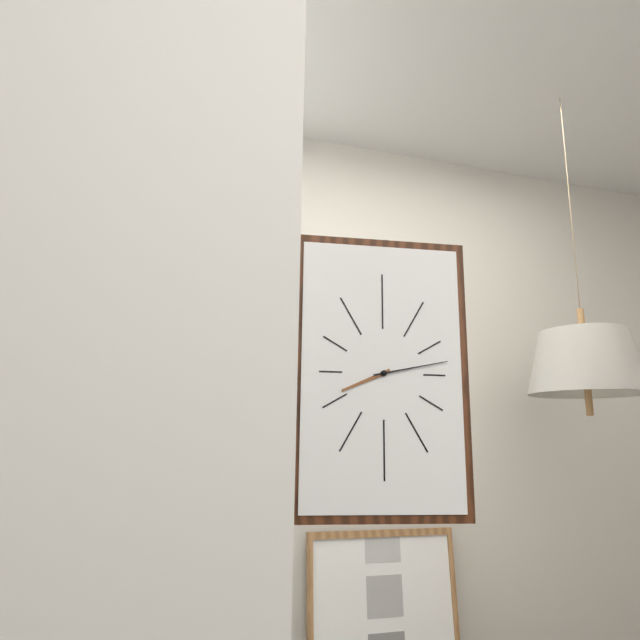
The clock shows 8:13
